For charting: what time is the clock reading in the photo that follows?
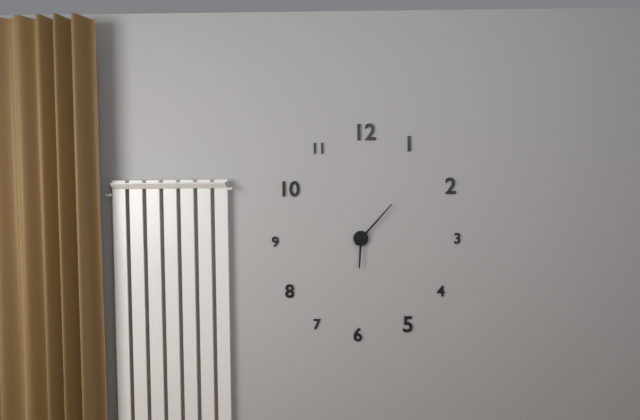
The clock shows 6:07
